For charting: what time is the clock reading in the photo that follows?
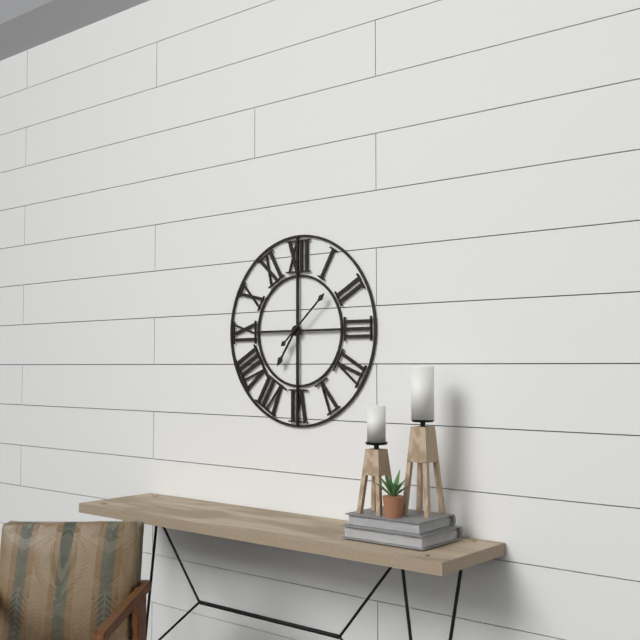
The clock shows 7:08
